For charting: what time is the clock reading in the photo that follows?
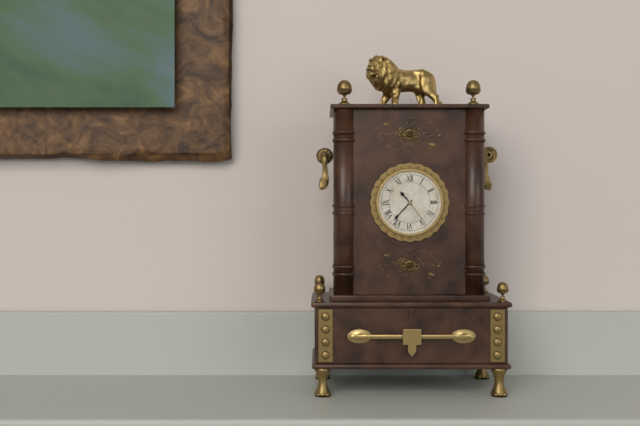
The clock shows 10:37
